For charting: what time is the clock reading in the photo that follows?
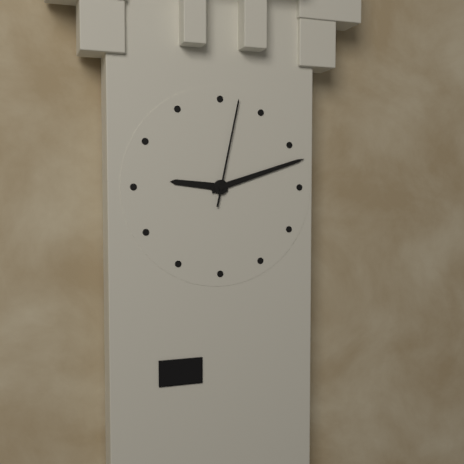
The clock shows 9:12:02
